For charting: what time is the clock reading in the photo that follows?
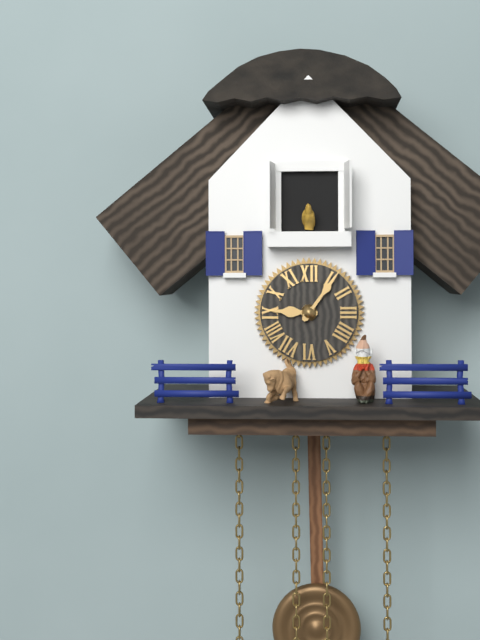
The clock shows 9:06
